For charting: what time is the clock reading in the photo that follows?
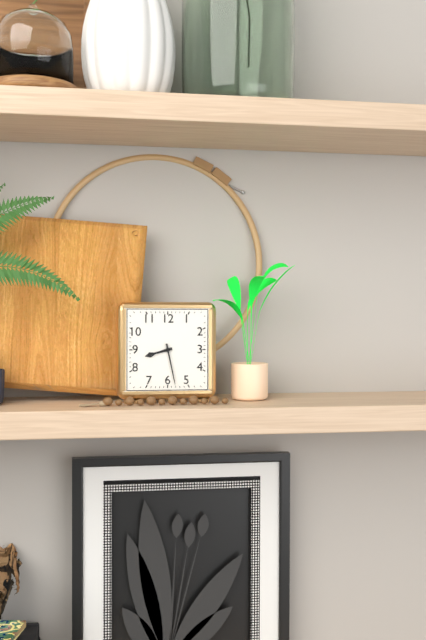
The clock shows 8:28
